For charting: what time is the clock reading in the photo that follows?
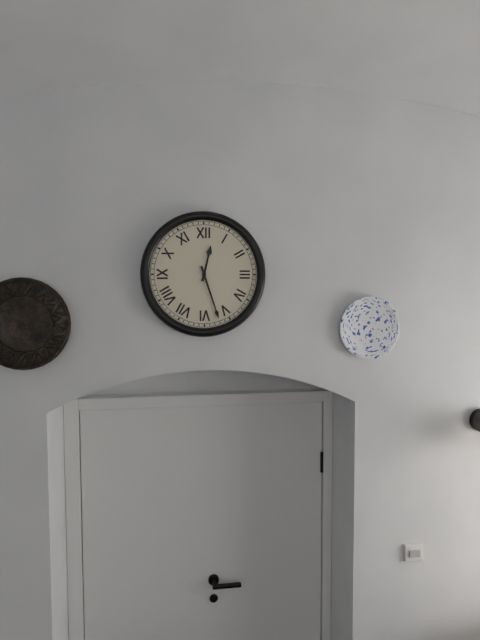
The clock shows 12:27
